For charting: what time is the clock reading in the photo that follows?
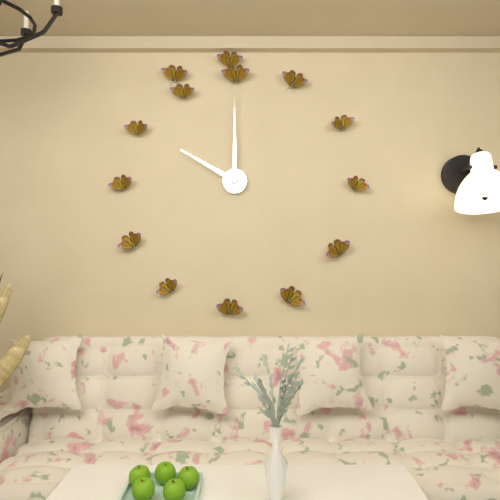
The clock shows 10:00
